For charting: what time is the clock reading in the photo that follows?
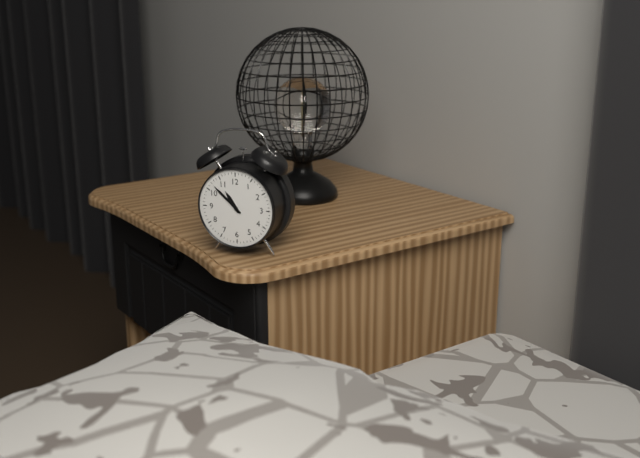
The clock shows 10:52
